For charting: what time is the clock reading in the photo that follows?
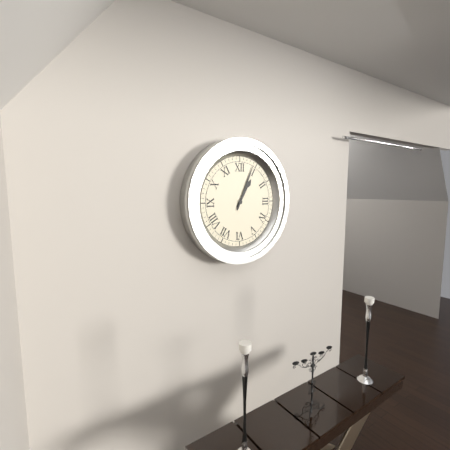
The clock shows 1:04
